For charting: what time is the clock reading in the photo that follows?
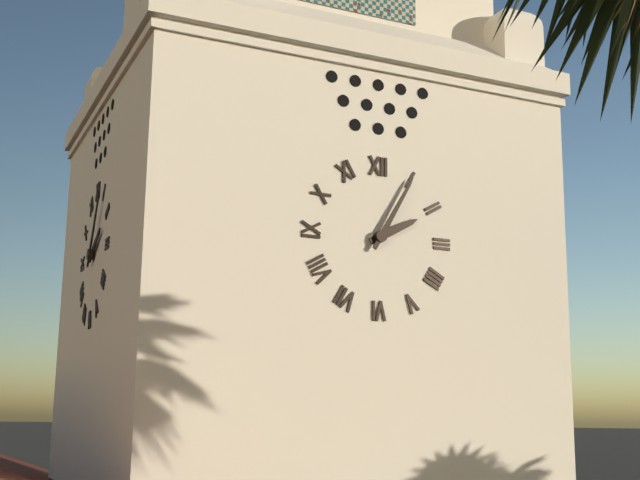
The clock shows 2:05
